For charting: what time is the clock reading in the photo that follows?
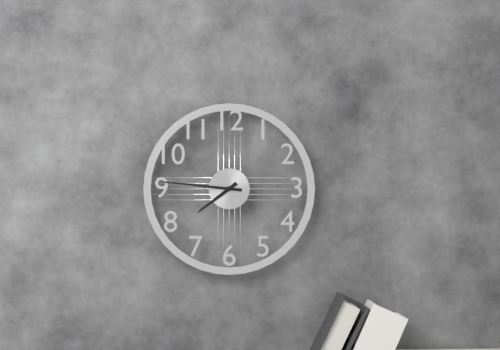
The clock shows 7:46
